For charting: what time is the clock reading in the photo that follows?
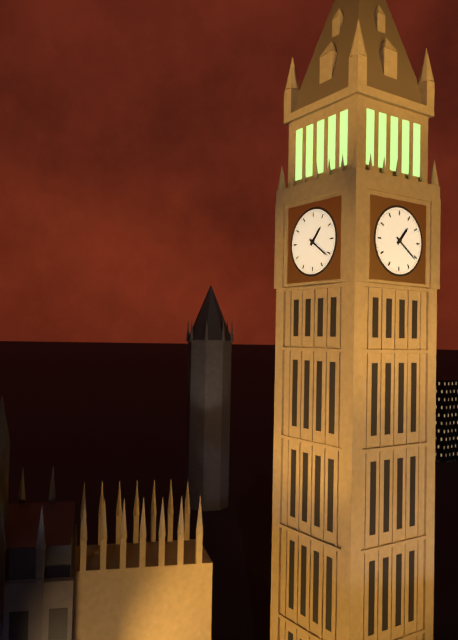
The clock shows 1:21
